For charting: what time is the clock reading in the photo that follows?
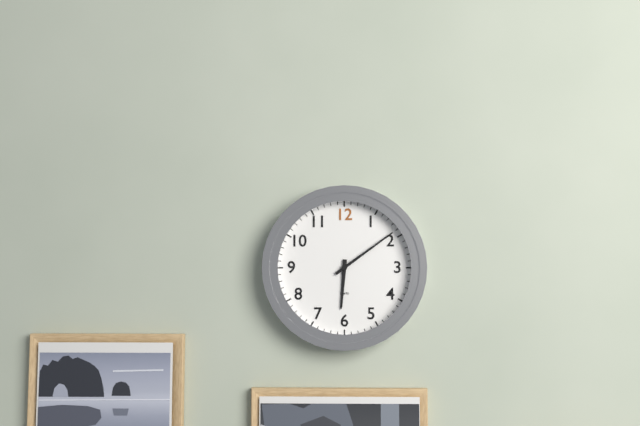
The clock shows 6:09
